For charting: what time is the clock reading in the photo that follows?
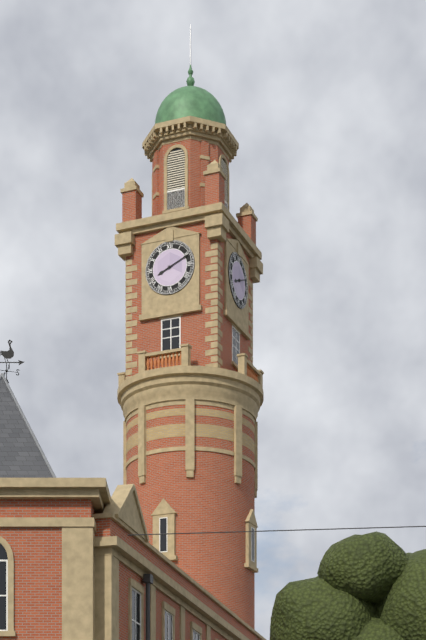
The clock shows 8:11
